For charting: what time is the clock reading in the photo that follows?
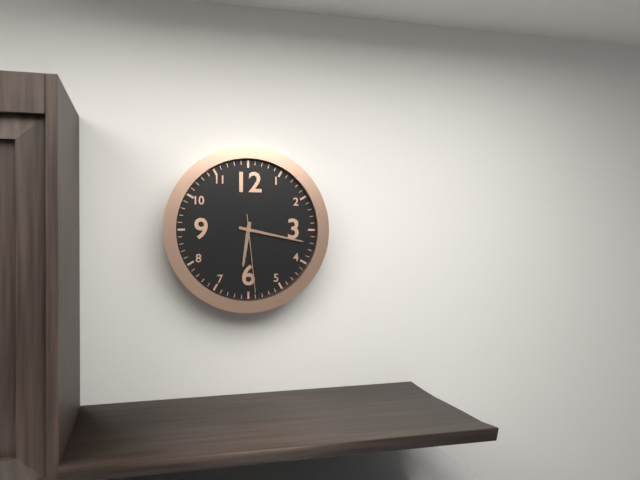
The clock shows 6:17:29
